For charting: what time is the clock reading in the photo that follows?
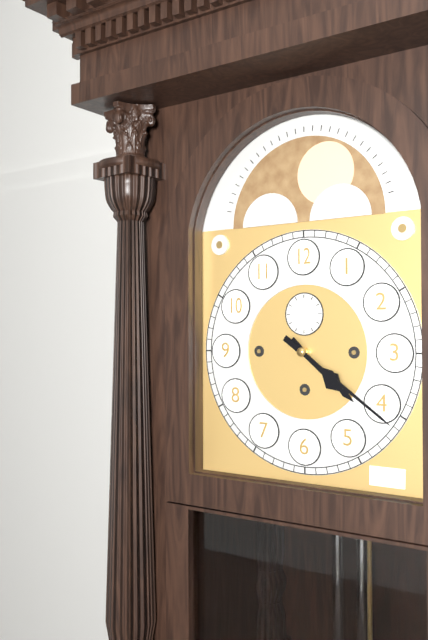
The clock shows 4:21
